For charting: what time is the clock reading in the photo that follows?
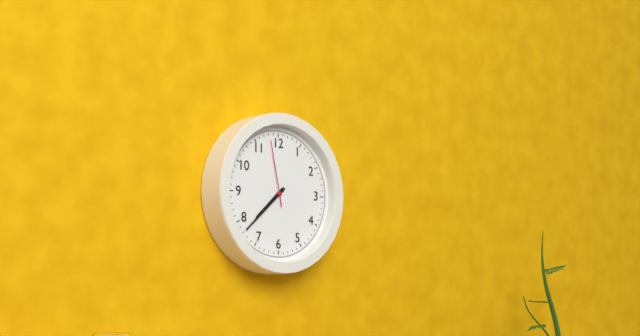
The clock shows 7:38:58
